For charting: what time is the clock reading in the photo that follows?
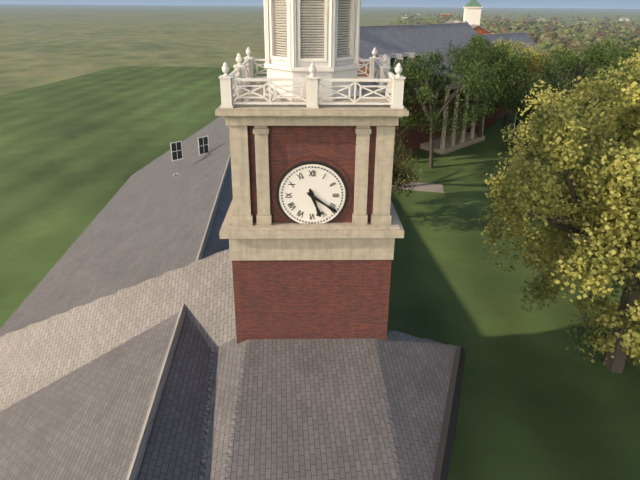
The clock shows 5:21
